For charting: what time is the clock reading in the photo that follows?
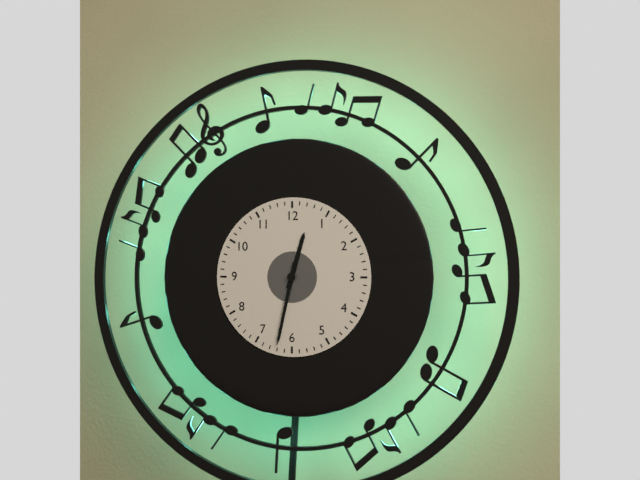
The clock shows 12:32
